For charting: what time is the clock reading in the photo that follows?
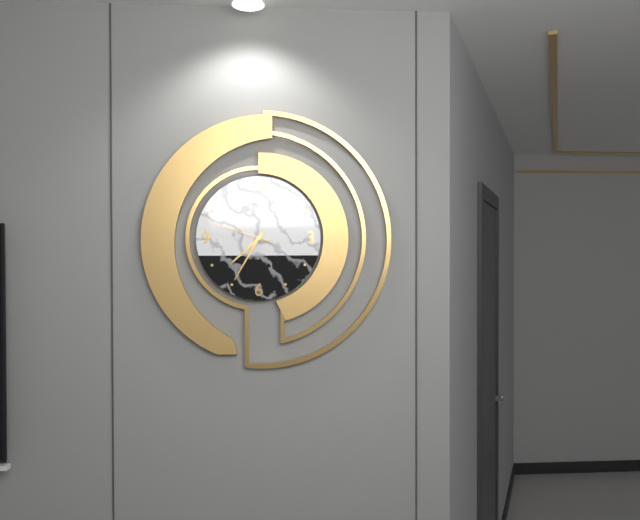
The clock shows 7:35:48
